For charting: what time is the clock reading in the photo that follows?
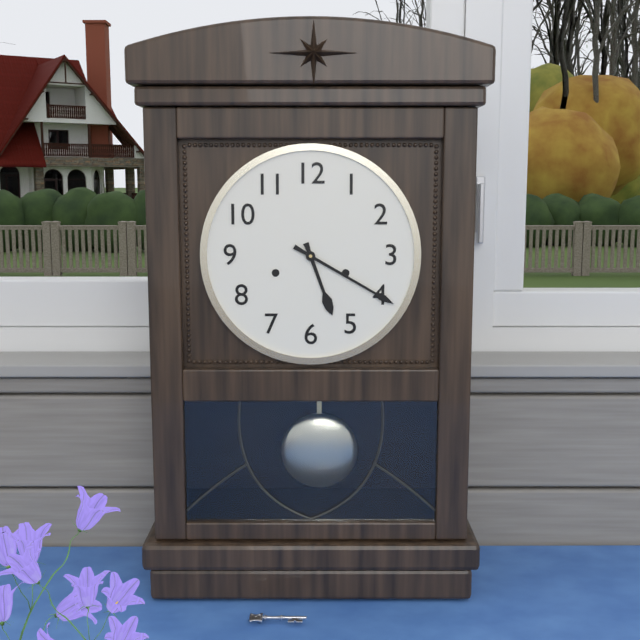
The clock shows 5:20
